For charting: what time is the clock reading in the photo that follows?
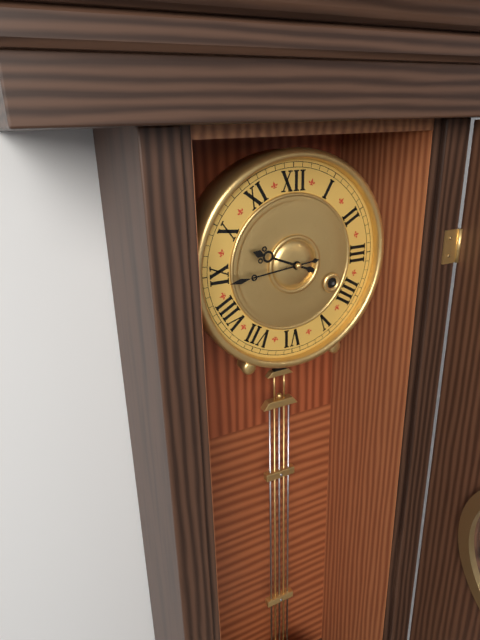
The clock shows 9:44
